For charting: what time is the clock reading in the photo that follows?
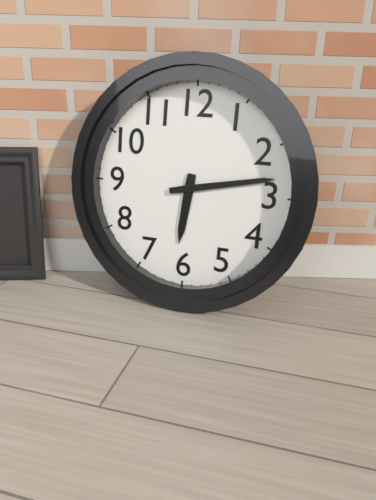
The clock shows 6:13
